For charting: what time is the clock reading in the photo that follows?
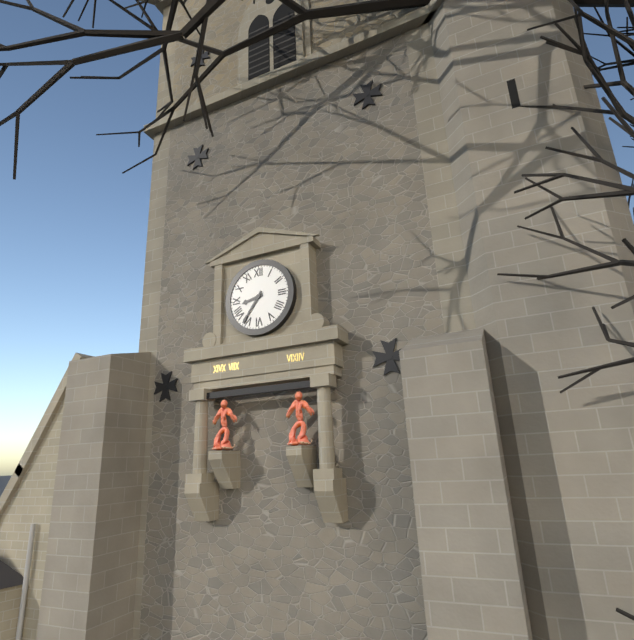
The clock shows 8:36
